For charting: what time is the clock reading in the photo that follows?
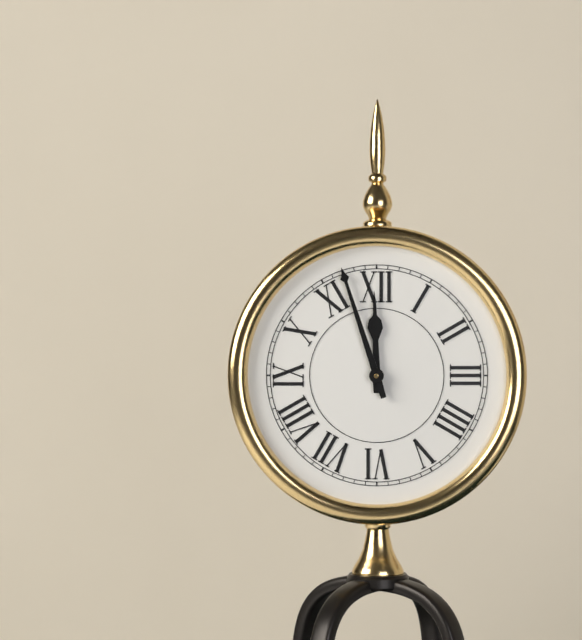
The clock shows 11:57
